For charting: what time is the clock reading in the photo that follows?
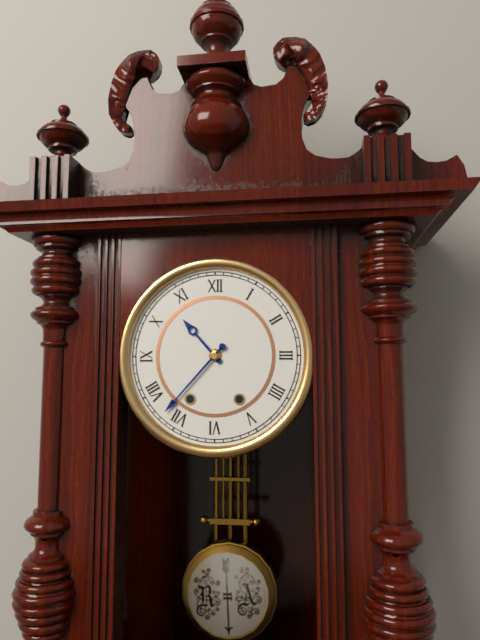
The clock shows 10:37
